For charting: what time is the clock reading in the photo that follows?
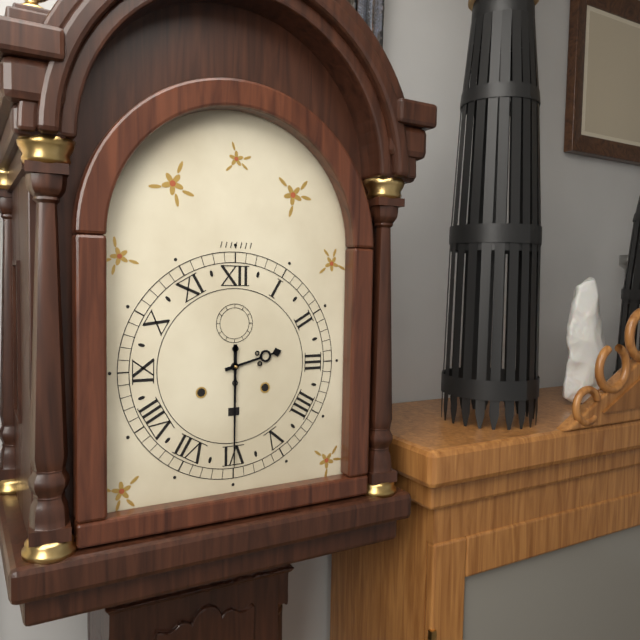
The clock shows 2:30
